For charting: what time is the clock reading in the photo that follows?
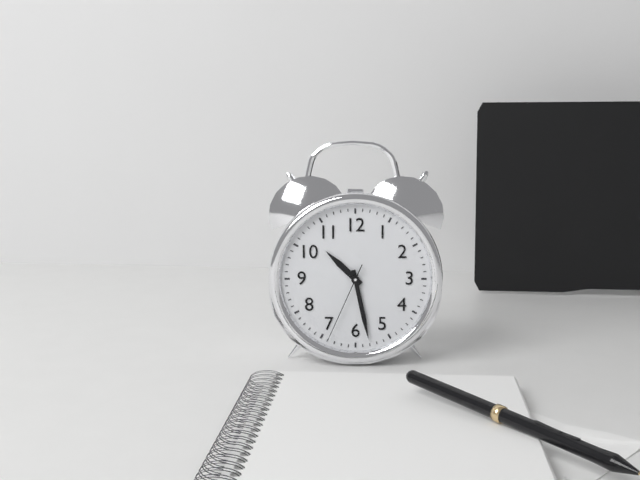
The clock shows 10:28:34
